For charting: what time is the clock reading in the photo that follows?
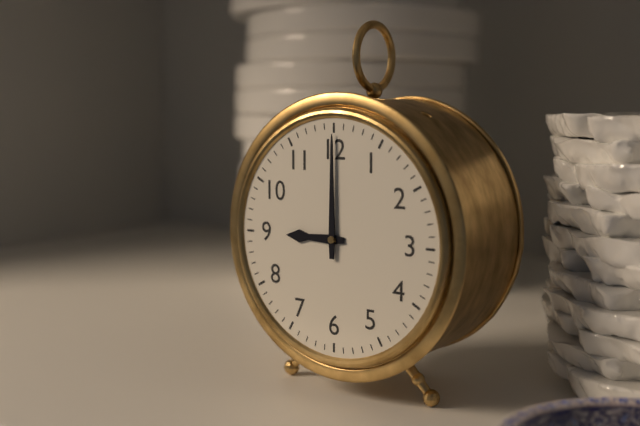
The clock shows 9:00
